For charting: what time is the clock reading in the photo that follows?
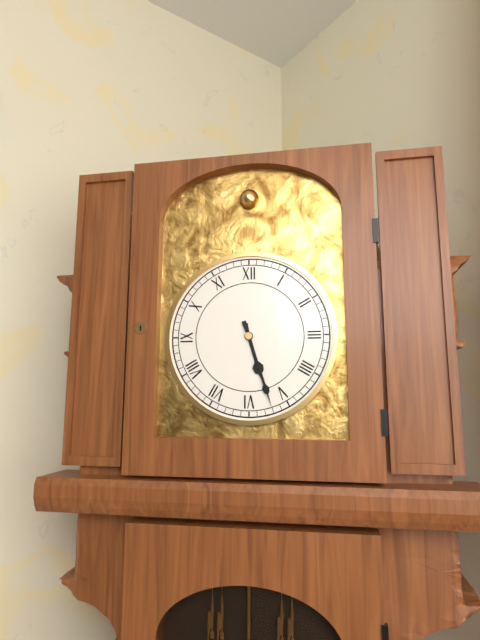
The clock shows 5:27
